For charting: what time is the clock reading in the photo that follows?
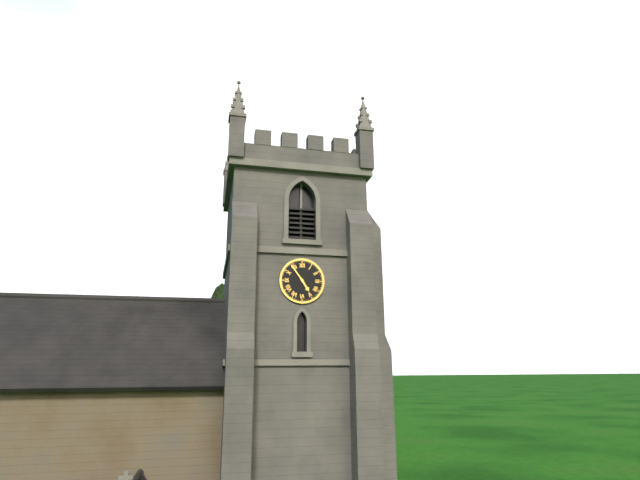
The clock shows 4:54
